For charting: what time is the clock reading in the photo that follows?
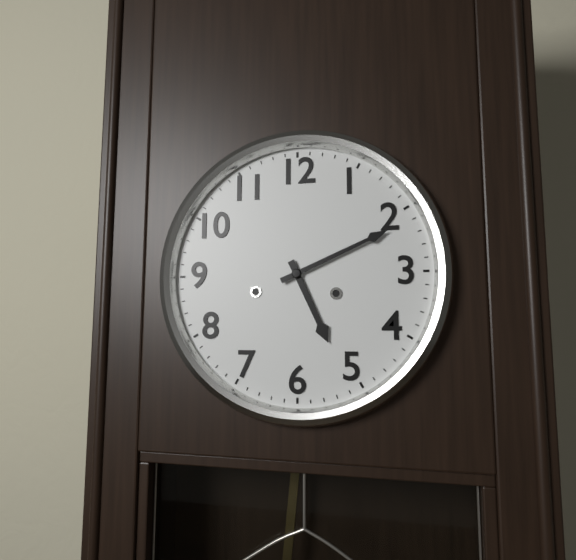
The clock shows 5:11
